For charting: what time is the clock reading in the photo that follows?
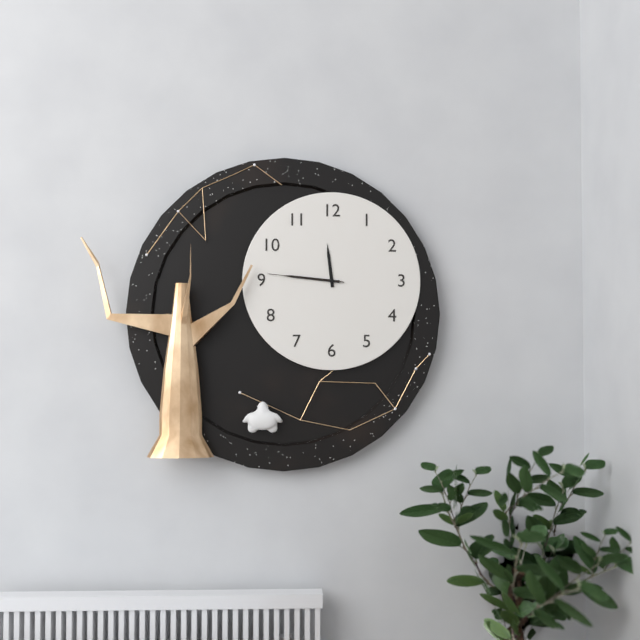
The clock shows 11:46:46
